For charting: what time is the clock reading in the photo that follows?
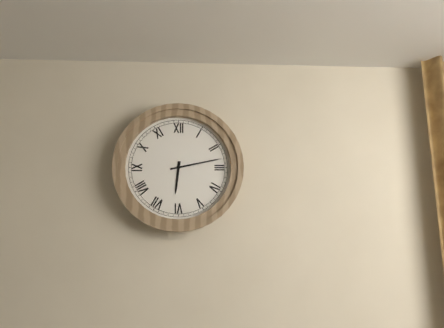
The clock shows 6:13
